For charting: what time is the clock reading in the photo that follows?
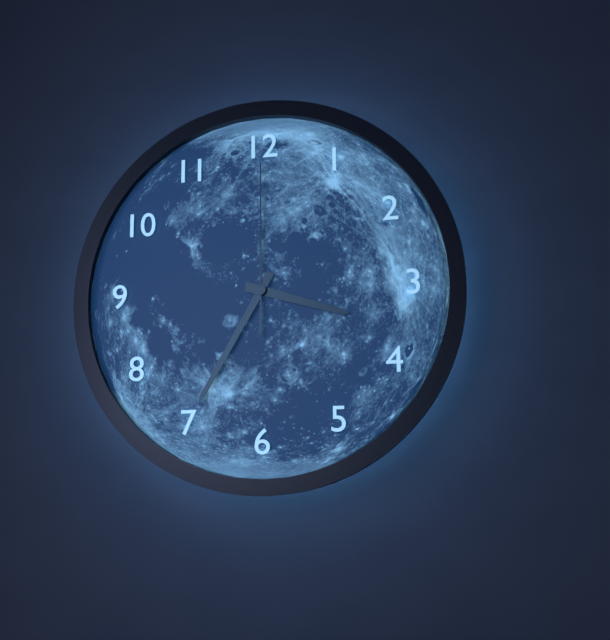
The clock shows 3:35:00
